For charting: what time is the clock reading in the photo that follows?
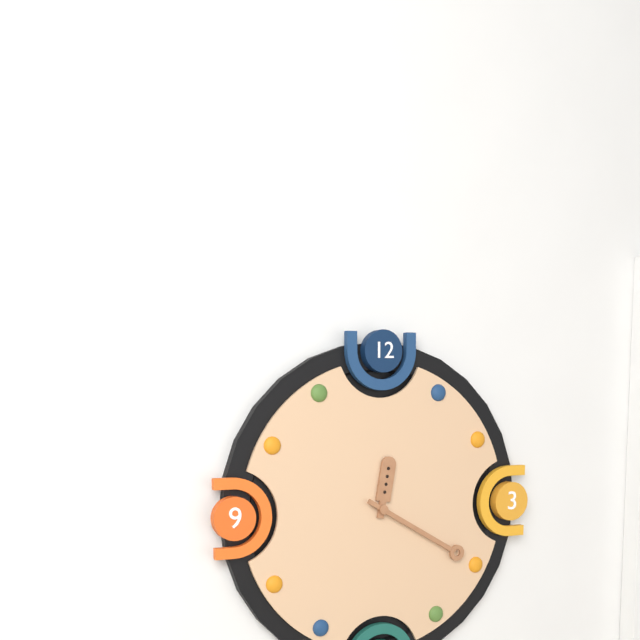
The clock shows 12:20
